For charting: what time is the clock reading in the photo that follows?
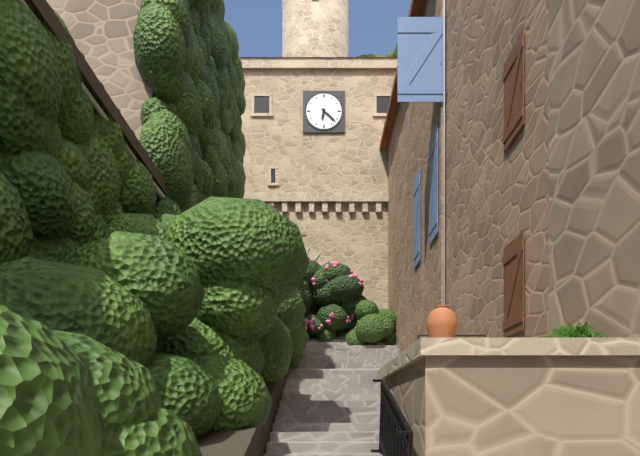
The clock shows 6:22
